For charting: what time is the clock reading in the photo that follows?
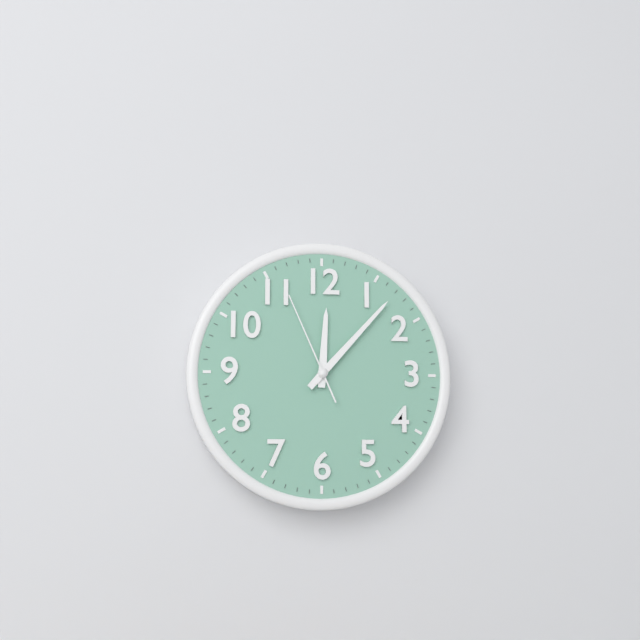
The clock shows 12:07:56
